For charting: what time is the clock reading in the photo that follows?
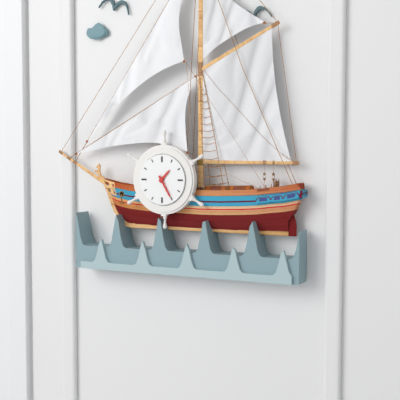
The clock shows 1:25
